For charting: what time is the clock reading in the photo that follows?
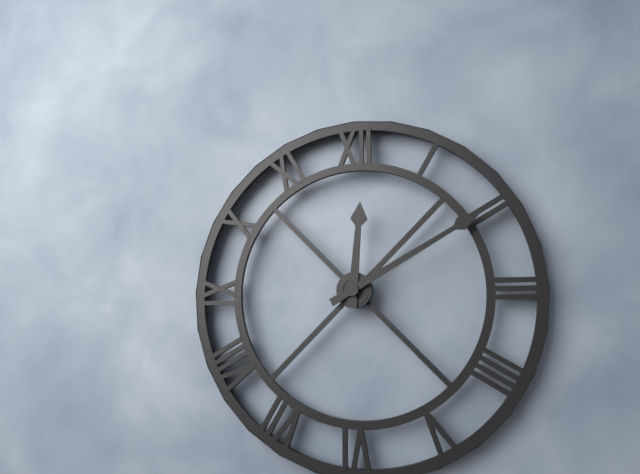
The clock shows 12:10
